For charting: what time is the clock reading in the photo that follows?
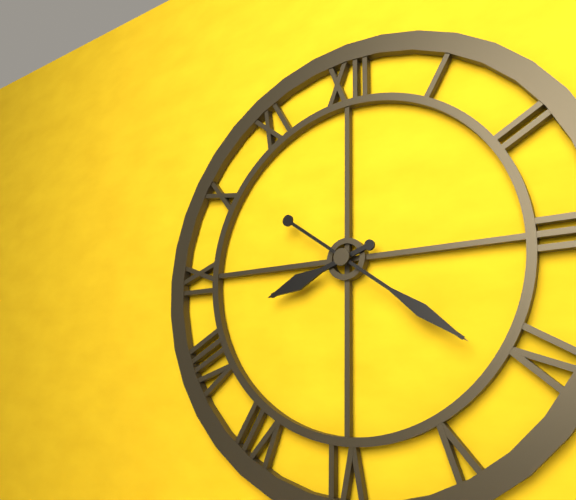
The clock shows 8:21
